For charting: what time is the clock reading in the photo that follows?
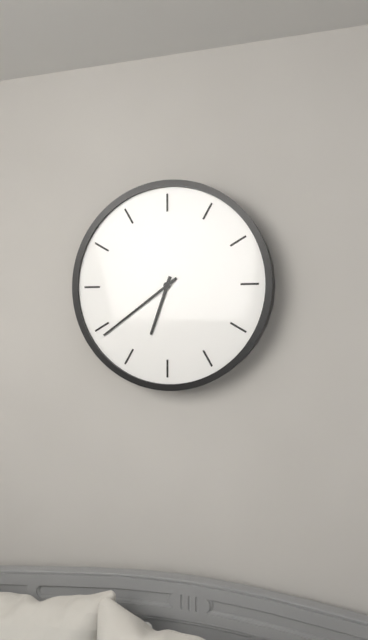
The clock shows 6:39
